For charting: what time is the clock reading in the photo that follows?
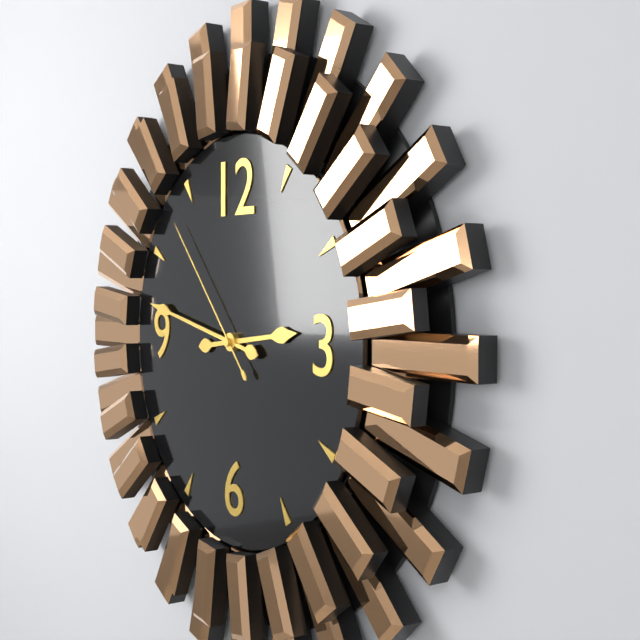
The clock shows 2:47:53
